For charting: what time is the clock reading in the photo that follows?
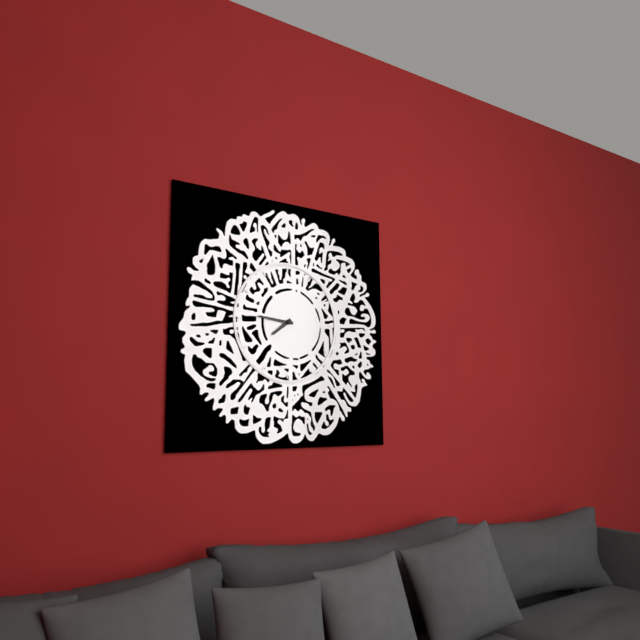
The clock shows 7:46
